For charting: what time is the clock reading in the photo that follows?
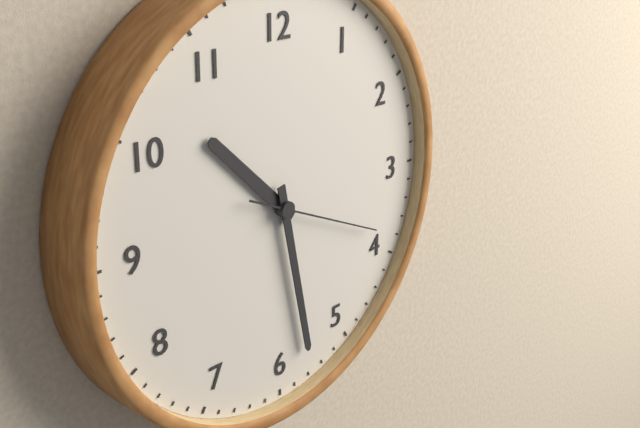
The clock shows 10:28:19
